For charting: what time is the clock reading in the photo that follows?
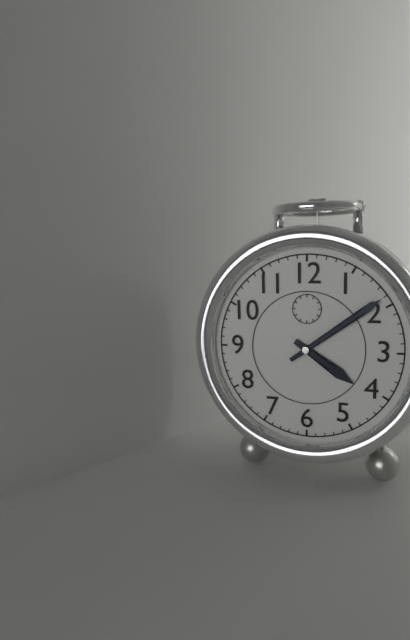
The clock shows 4:09
